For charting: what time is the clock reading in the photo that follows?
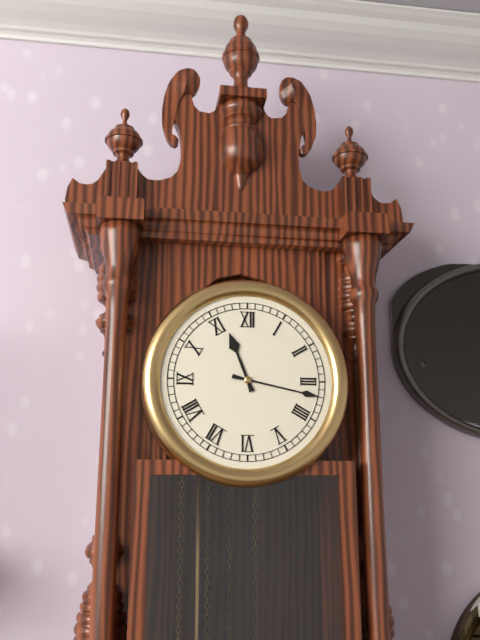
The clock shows 11:17
